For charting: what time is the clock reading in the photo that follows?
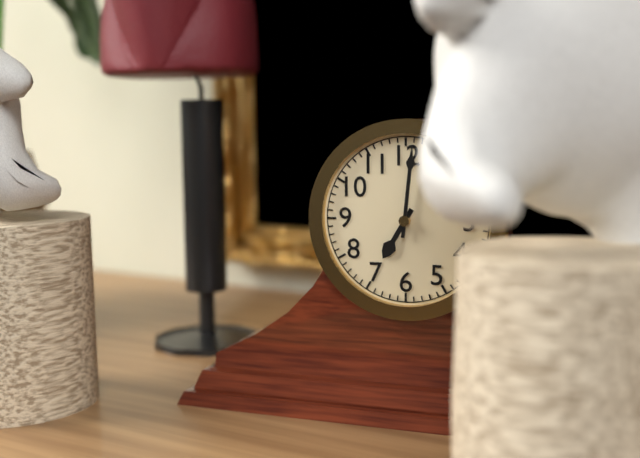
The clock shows 7:01
